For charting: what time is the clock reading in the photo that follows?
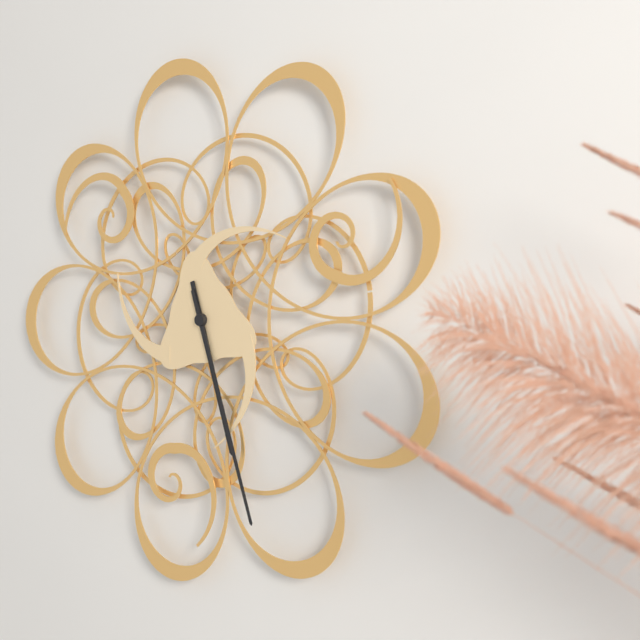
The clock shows 5:27
